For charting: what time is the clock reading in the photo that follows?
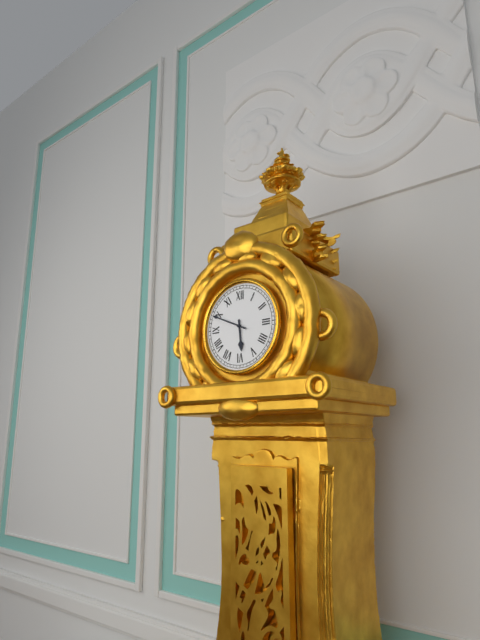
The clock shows 5:49
